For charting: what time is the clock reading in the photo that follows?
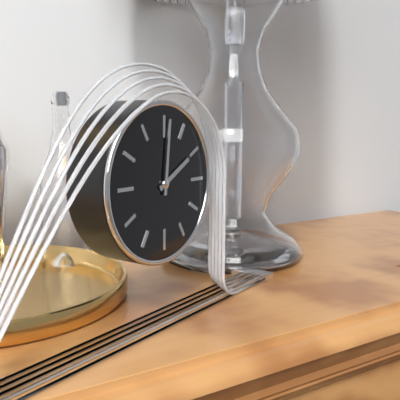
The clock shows 2:01
